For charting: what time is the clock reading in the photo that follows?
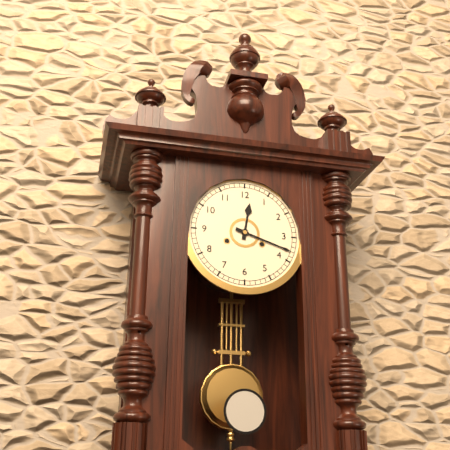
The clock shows 12:18
